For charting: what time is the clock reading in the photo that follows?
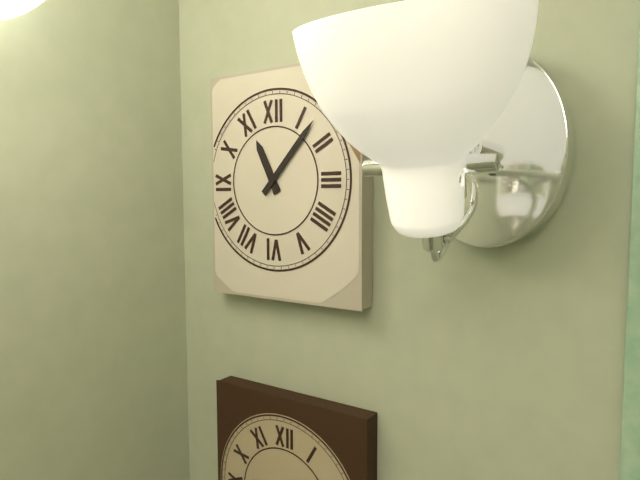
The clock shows 11:07
